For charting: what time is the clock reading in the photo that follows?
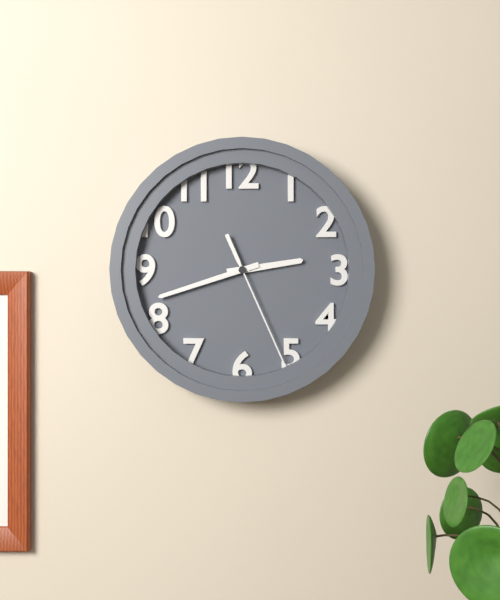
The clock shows 2:42:26
